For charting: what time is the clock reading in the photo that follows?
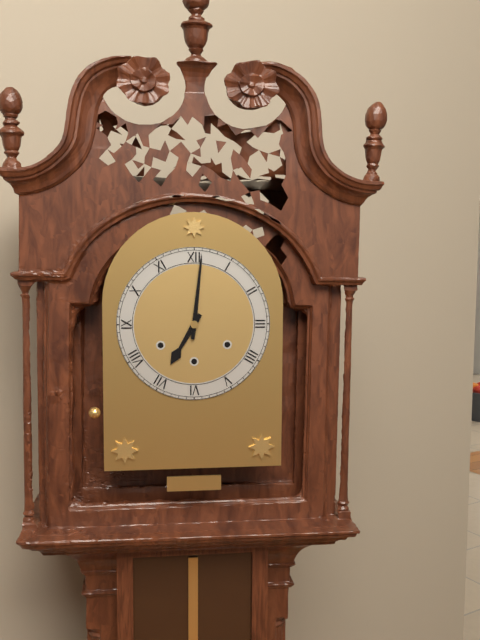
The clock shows 7:01
